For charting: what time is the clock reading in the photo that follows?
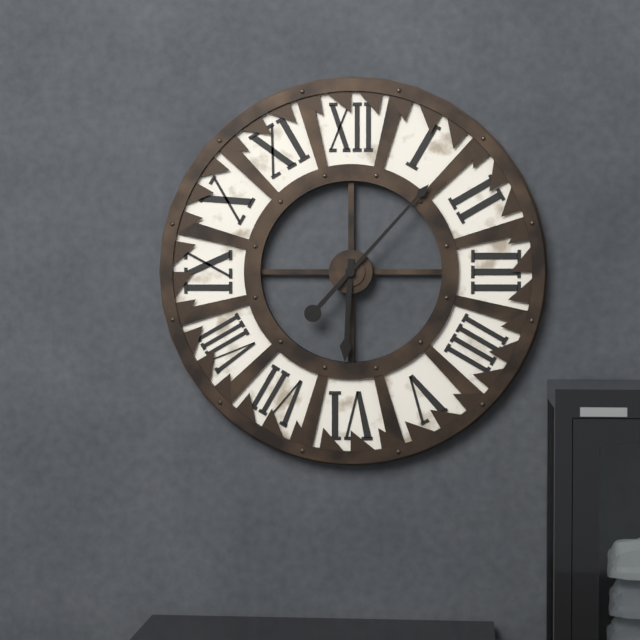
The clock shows 6:07
